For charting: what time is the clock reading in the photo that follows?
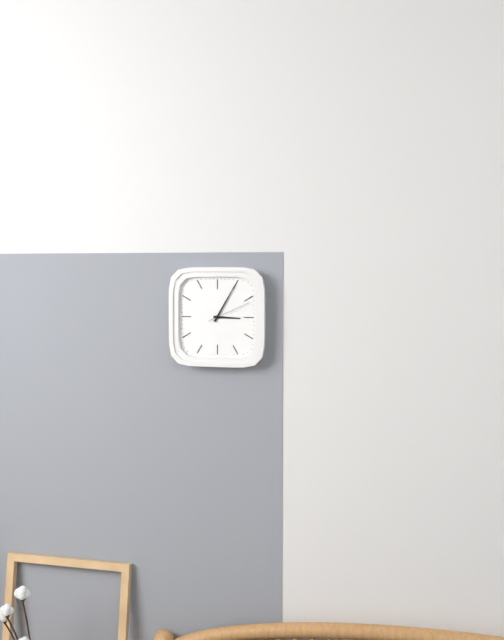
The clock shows 3:05
